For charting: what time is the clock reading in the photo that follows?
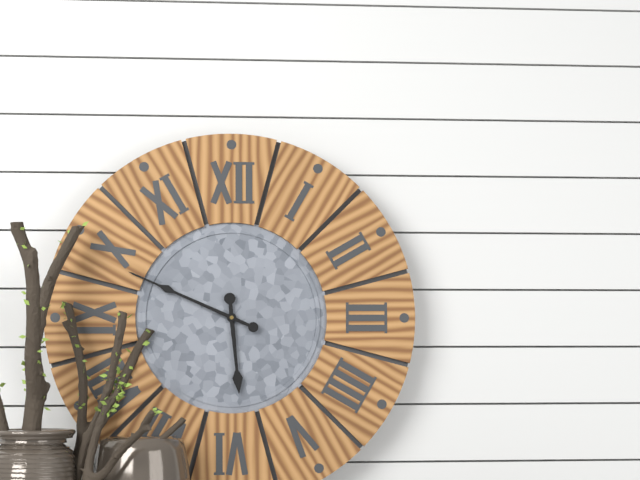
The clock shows 5:49
